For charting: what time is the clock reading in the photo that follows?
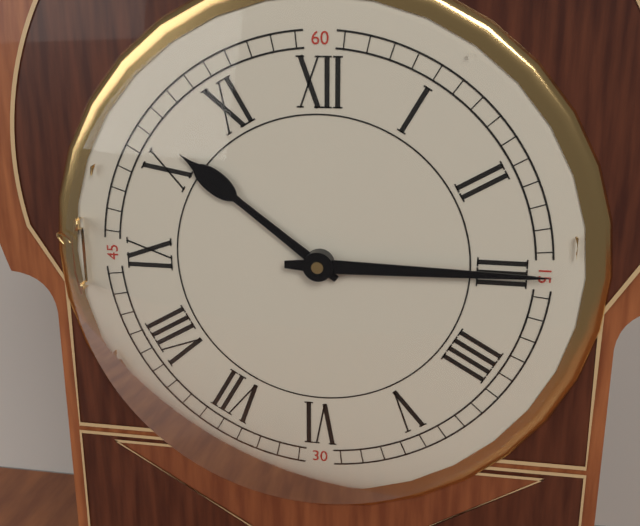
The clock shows 10:15
